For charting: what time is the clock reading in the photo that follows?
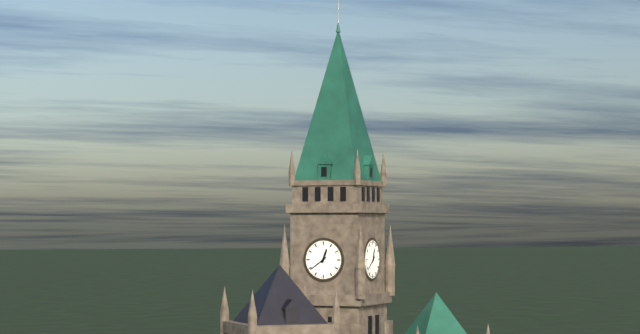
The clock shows 12:39
